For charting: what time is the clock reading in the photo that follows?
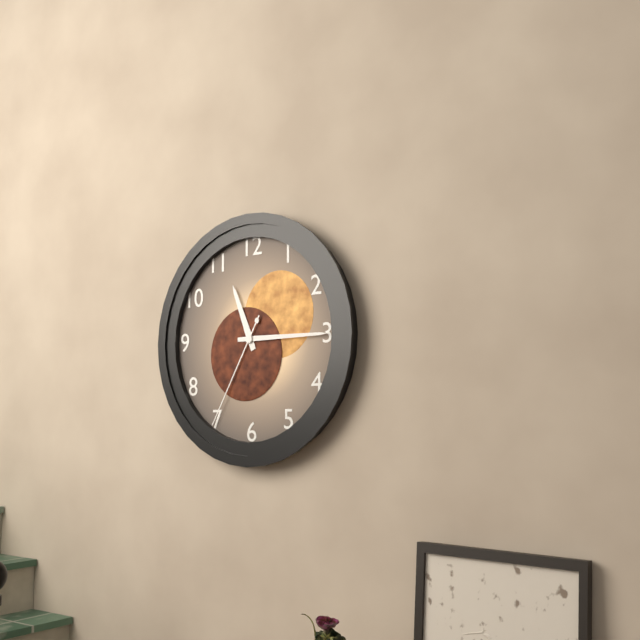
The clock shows 11:15:35
